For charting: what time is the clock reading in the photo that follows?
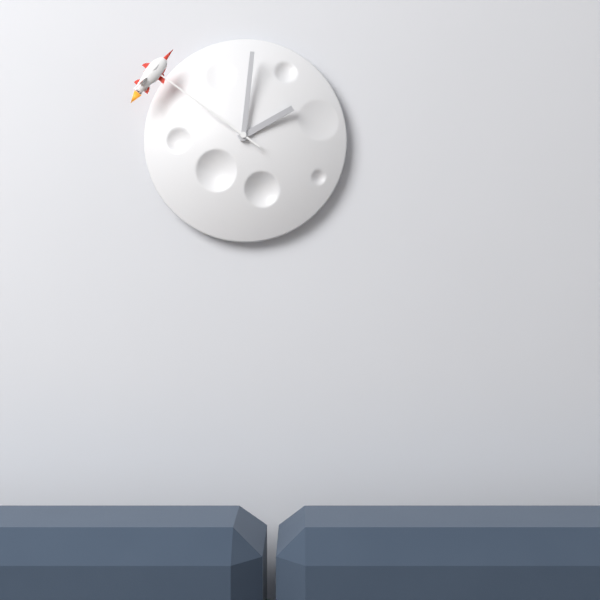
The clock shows 2:01:51
